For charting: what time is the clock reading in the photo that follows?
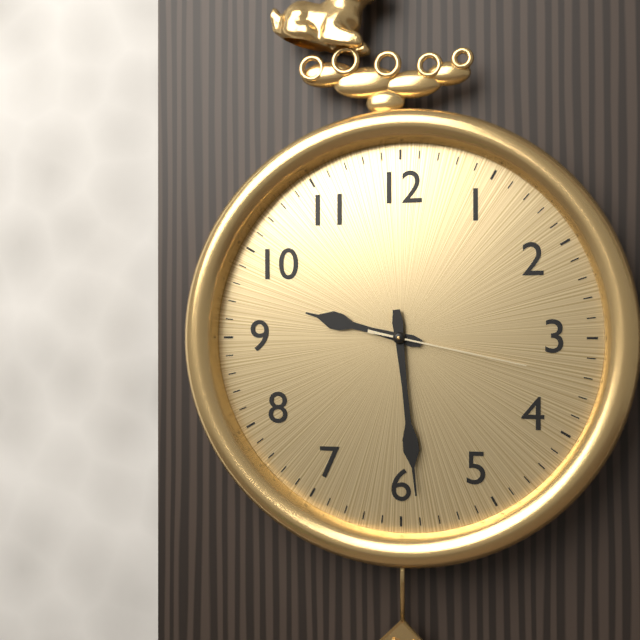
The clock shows 9:29:17
